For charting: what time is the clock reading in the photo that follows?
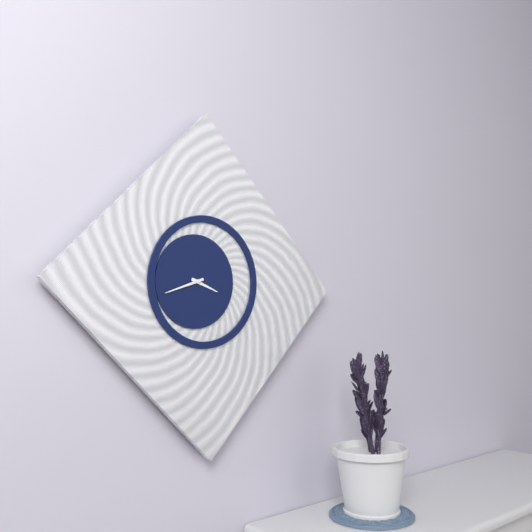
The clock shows 3:42
